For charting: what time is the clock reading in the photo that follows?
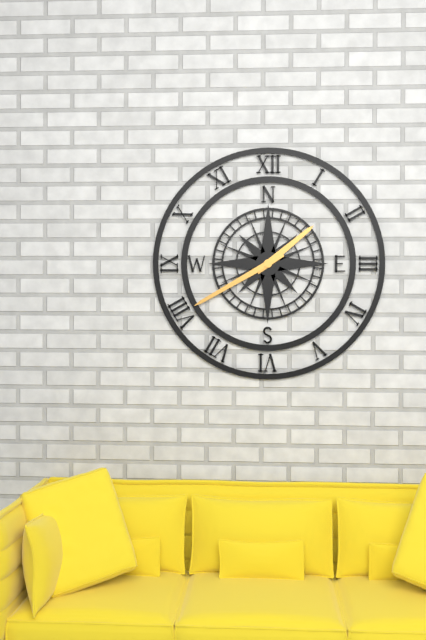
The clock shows 1:40
